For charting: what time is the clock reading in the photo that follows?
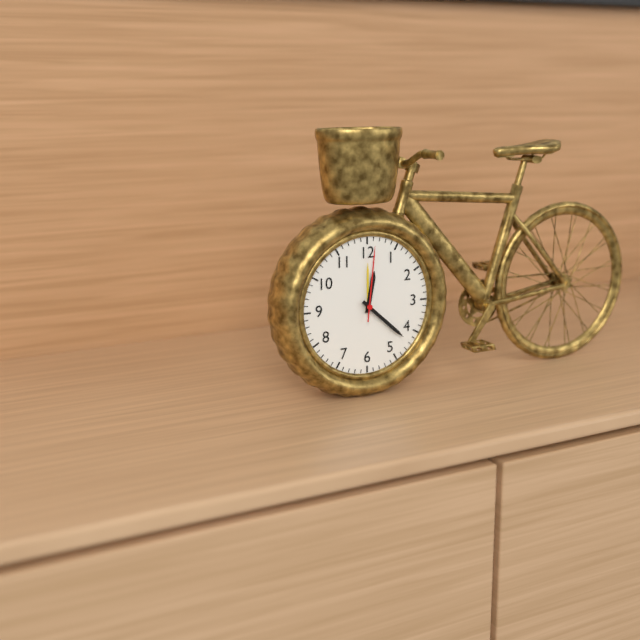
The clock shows 12:22:01
